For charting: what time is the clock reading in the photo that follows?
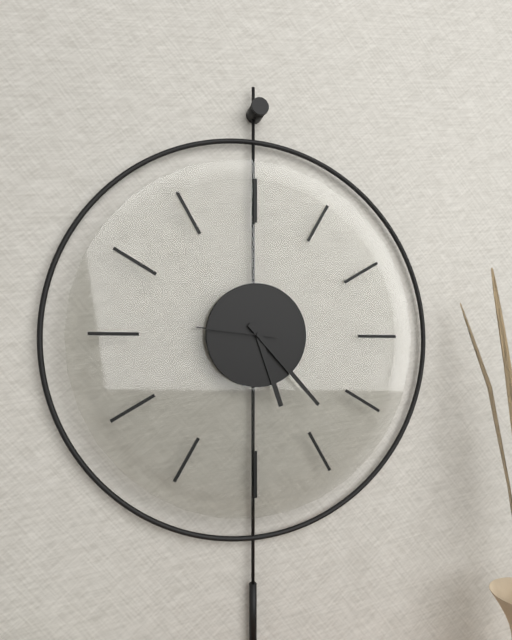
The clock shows 5:23:46
